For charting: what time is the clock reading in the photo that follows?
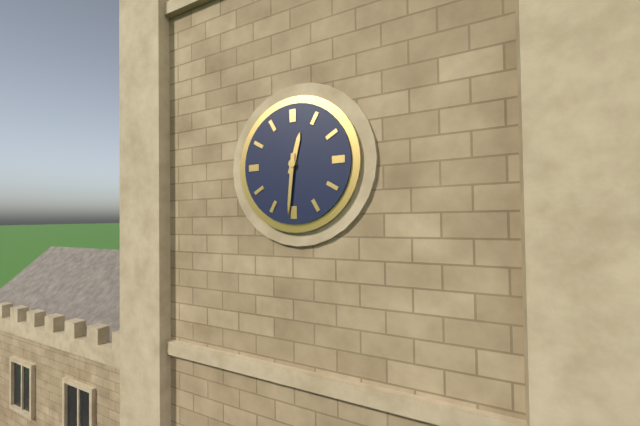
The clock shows 12:31
